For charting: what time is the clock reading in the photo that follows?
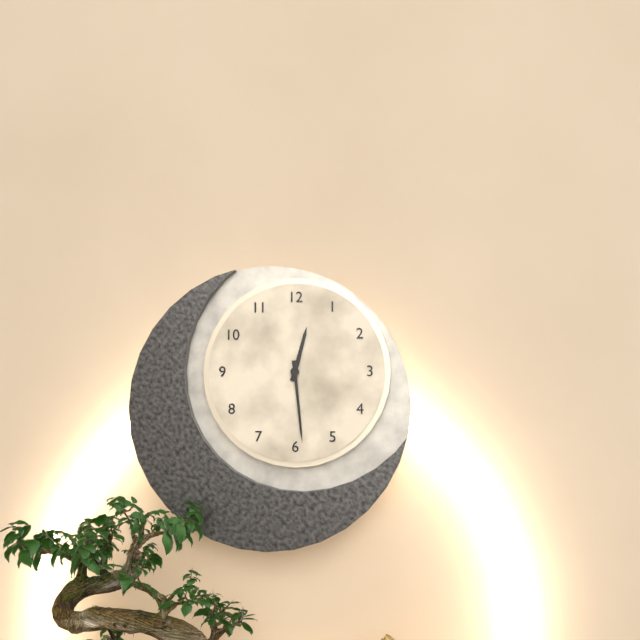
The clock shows 12:29
